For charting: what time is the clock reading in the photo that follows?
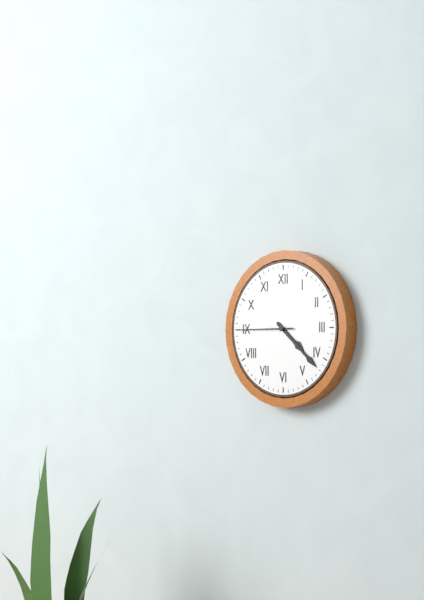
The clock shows 4:22:45
